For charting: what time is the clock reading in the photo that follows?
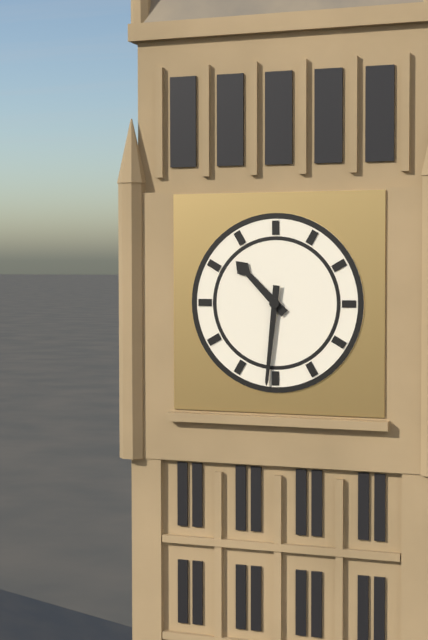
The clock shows 10:31
